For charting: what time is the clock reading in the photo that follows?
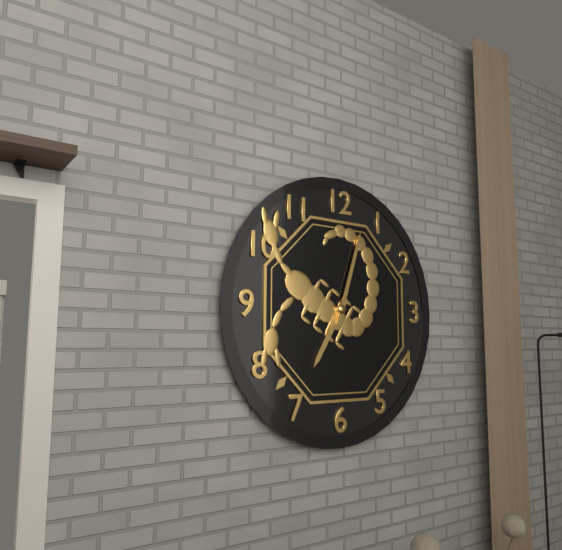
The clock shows 7:03
